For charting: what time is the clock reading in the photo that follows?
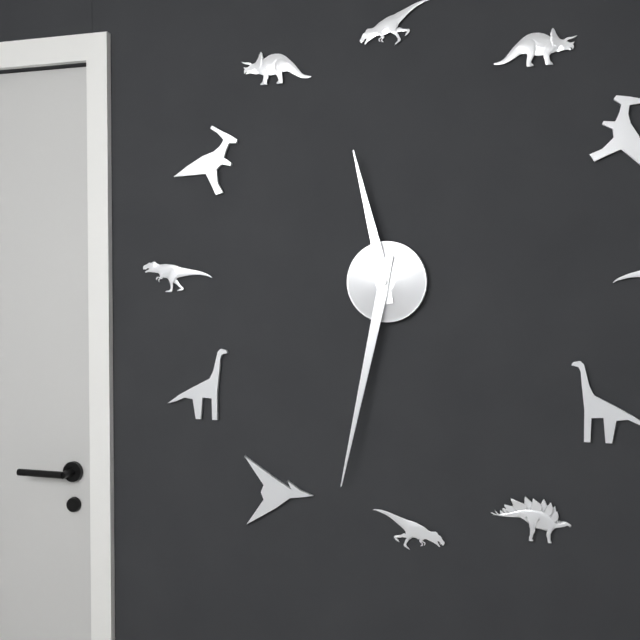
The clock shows 11:32
